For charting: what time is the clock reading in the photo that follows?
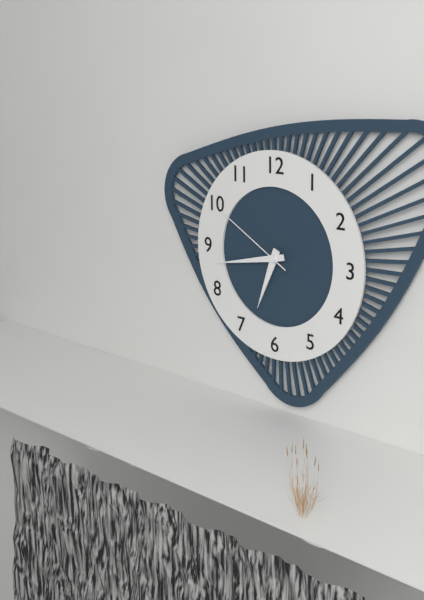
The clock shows 6:43:50
